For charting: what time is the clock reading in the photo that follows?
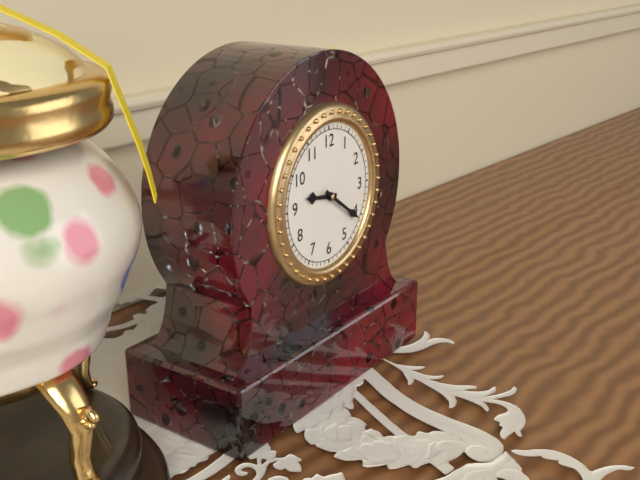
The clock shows 9:21
